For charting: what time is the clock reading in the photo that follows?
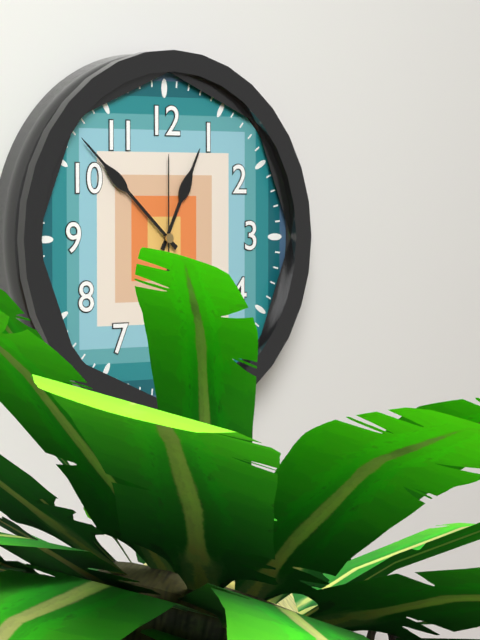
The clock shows 12:52:00
